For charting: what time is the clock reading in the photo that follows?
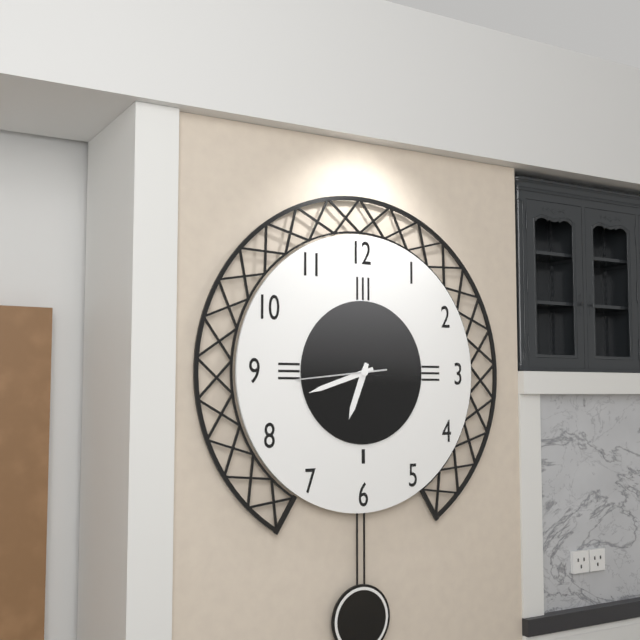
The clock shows 6:42:44
